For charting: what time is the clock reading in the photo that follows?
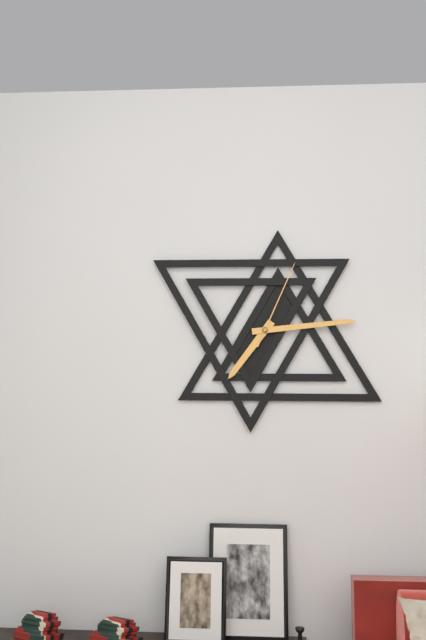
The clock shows 7:14:04
